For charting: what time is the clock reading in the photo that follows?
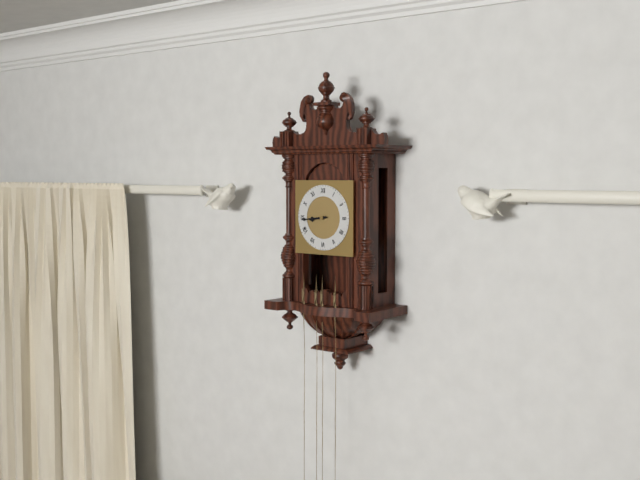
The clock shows 8:44
